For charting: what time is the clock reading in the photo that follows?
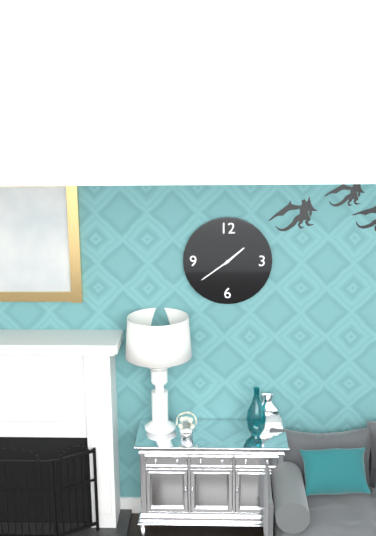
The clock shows 1:39
